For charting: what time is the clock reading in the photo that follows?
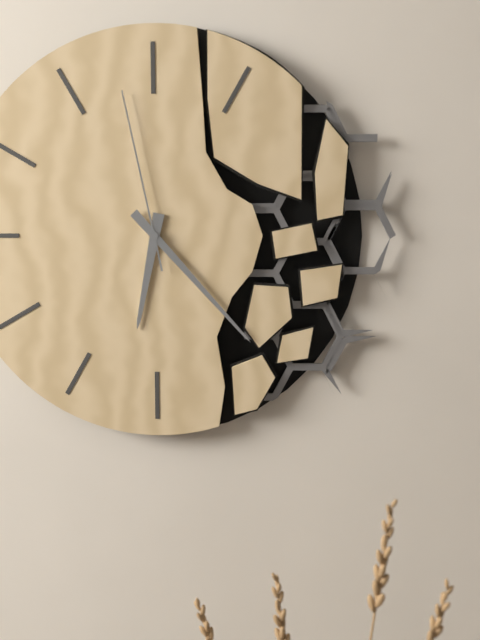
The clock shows 6:23:58
